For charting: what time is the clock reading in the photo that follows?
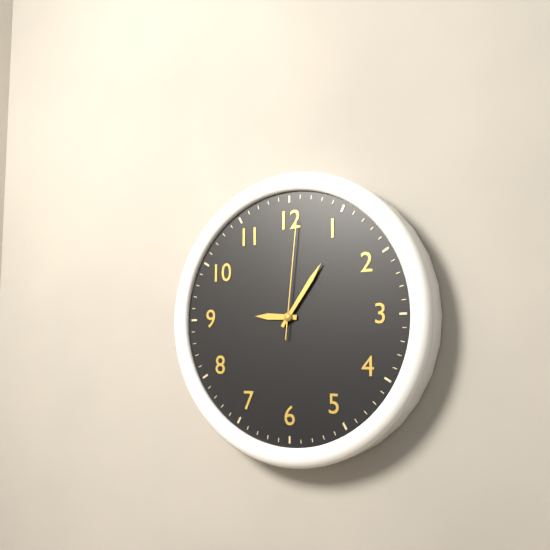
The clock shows 9:06:01
